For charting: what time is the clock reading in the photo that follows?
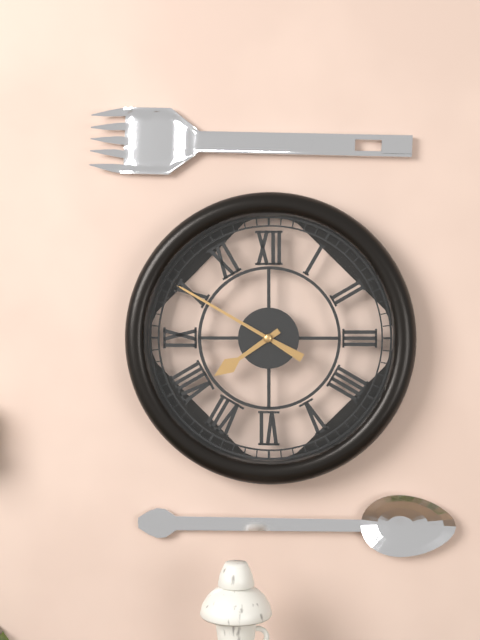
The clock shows 7:50
